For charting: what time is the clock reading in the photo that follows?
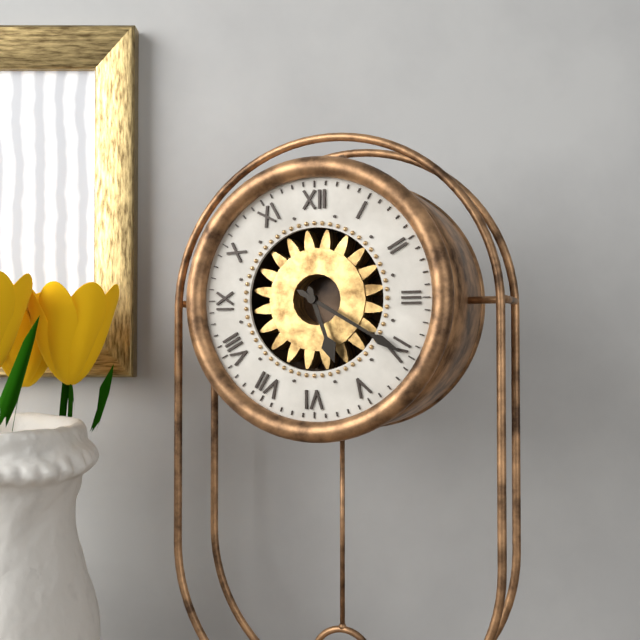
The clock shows 5:20
